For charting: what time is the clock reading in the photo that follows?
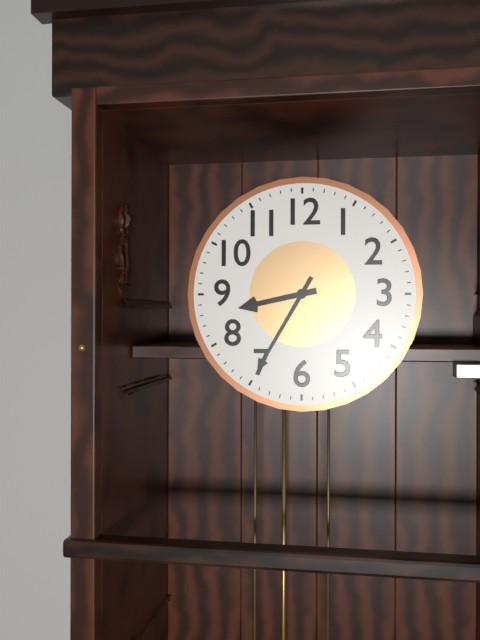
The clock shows 8:35
